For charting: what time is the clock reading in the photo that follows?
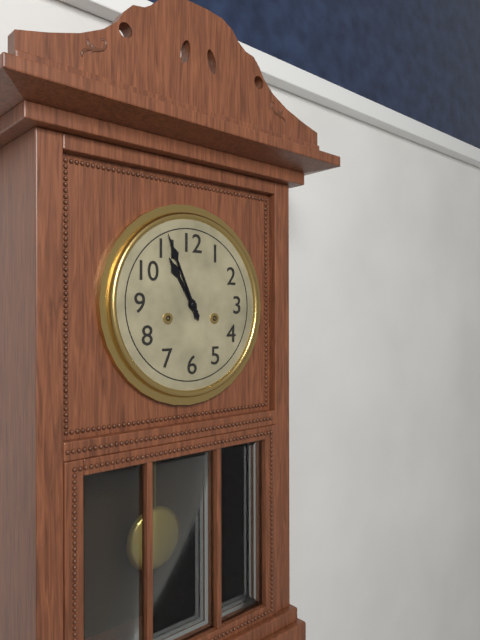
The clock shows 10:56
